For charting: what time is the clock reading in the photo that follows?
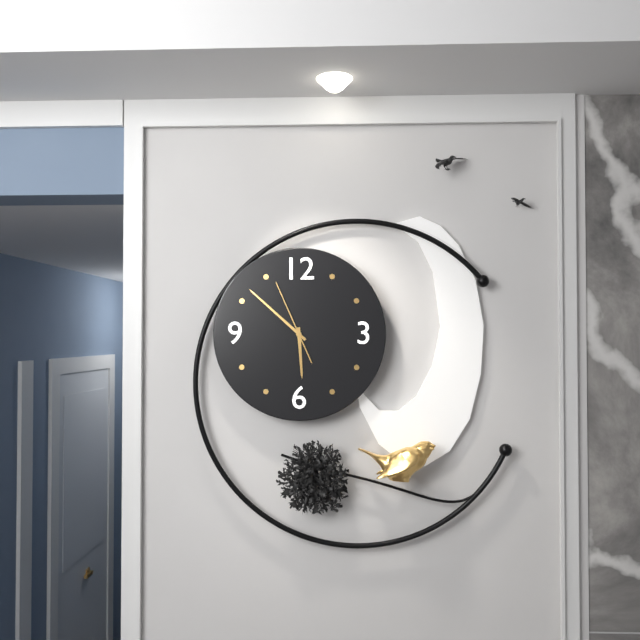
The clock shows 5:52:56
